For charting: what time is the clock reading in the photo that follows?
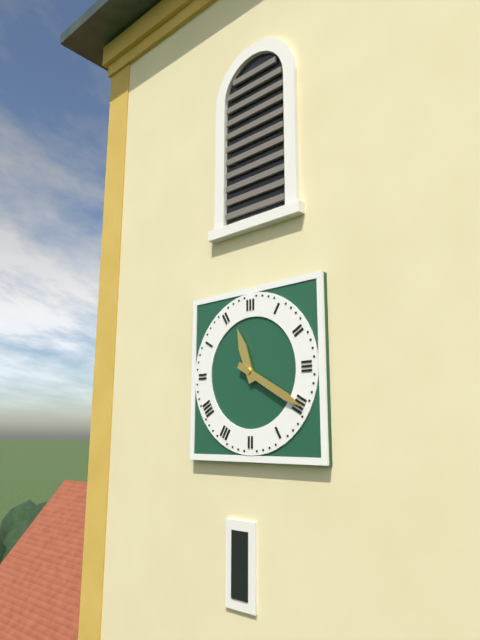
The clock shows 11:20
